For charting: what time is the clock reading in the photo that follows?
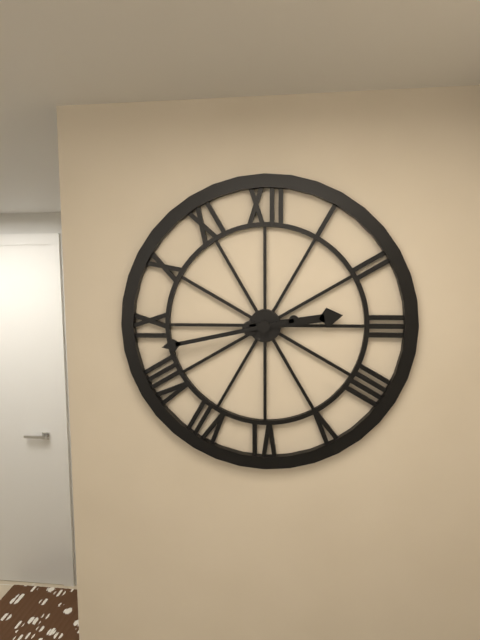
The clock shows 2:43
